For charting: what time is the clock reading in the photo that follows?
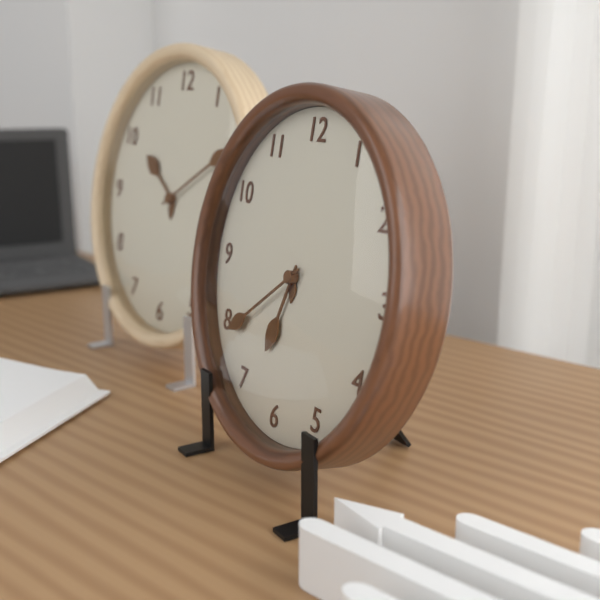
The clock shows 6:39
